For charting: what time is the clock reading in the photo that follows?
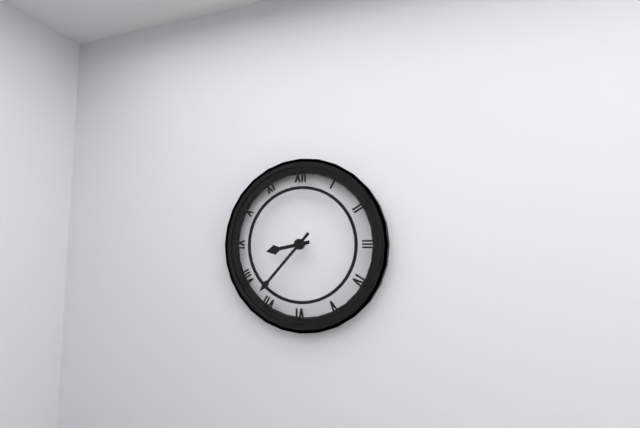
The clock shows 8:37
